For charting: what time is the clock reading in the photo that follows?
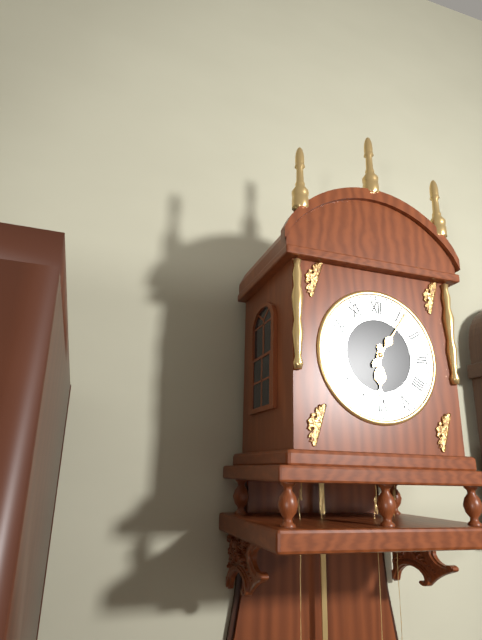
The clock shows 6:06
